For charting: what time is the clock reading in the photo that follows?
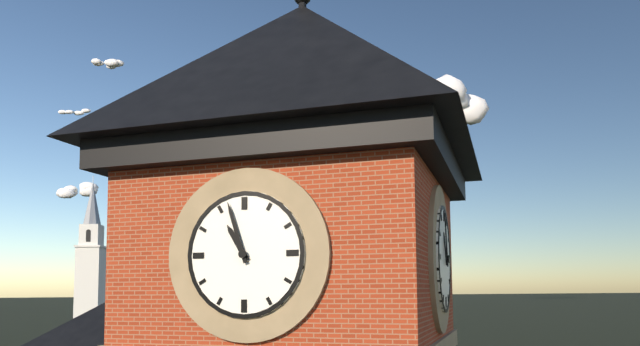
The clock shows 10:57
